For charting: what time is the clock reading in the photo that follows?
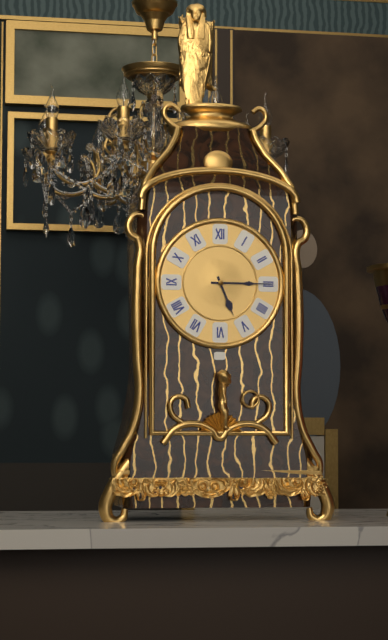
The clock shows 5:15
